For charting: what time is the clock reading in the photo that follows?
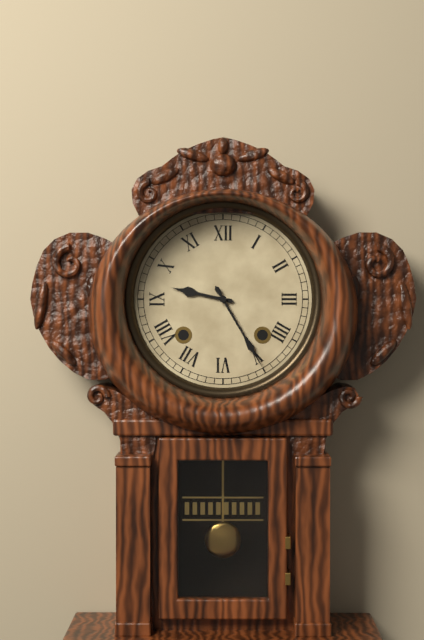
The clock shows 9:25
